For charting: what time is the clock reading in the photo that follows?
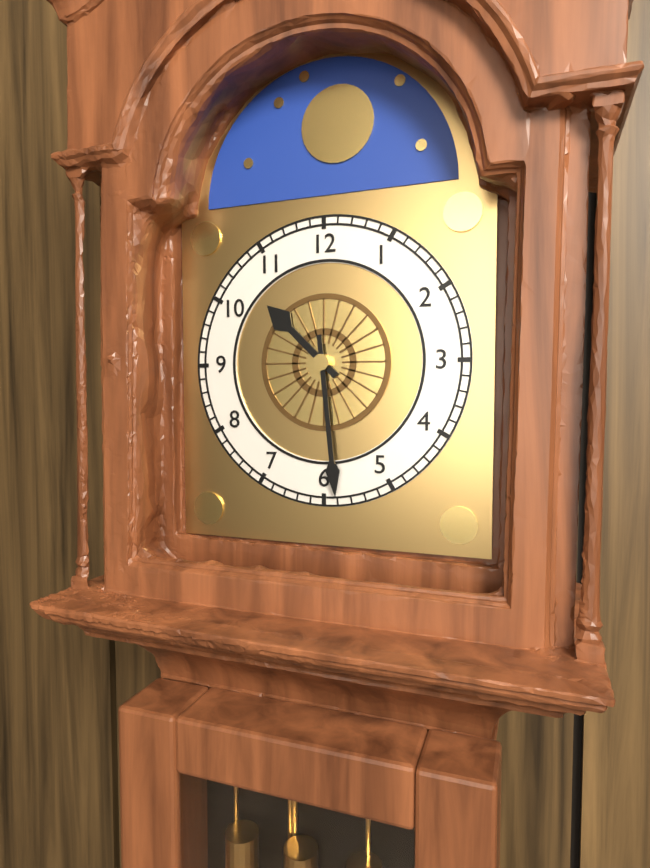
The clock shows 10:29
